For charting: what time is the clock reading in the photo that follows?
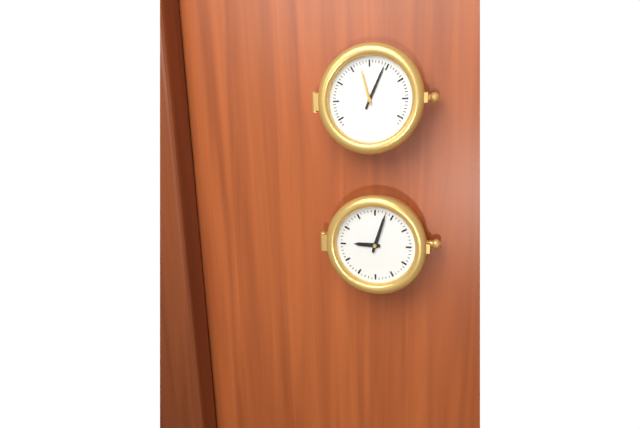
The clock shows 9:03
